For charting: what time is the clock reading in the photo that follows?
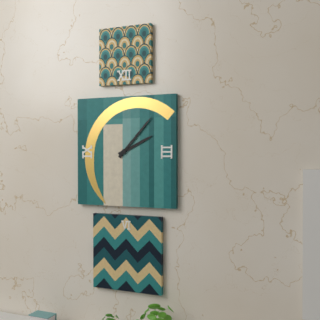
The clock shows 2:07
